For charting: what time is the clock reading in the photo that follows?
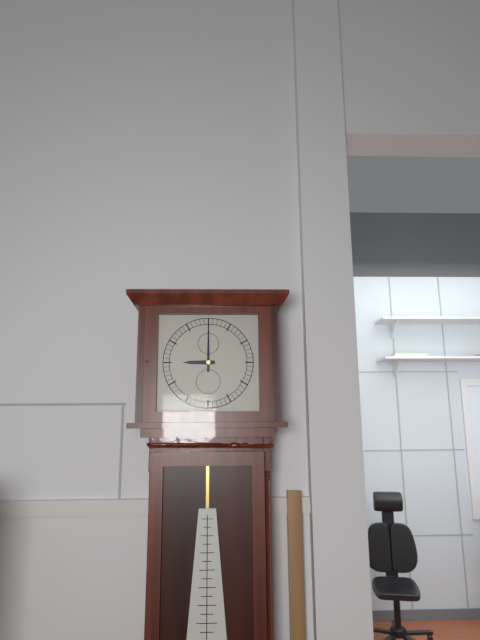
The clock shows 9:00
